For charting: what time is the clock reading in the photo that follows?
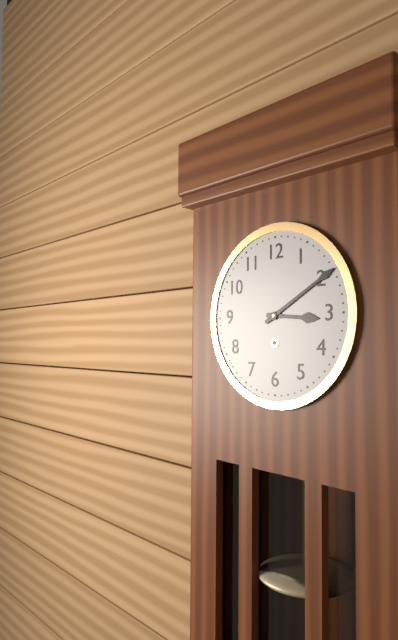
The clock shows 3:10
